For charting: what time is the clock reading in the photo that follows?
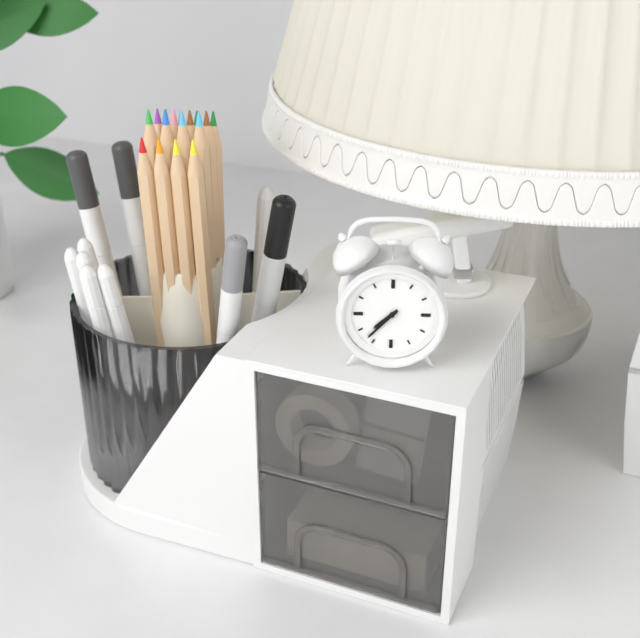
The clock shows 7:37
